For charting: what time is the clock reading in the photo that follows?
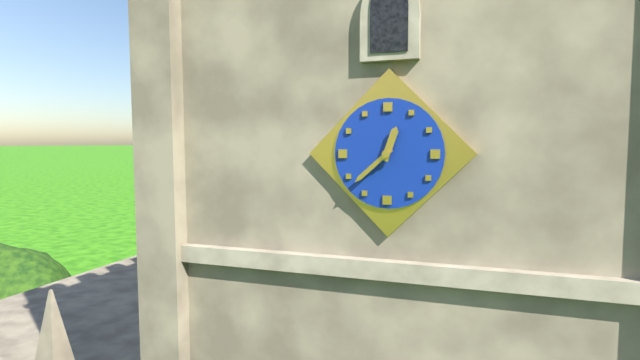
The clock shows 12:38
